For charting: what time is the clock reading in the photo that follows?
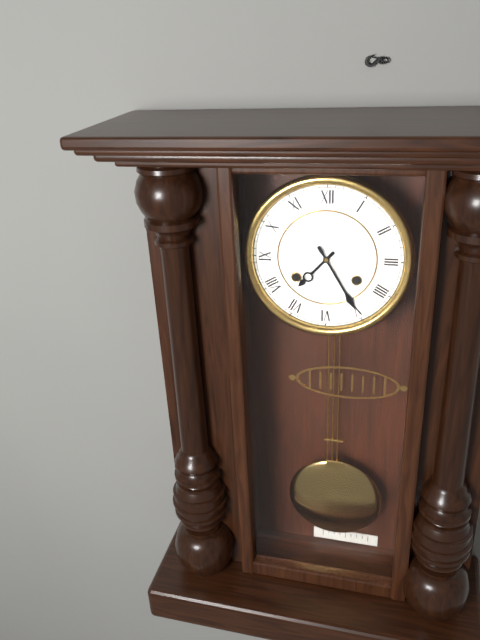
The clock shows 7:25
